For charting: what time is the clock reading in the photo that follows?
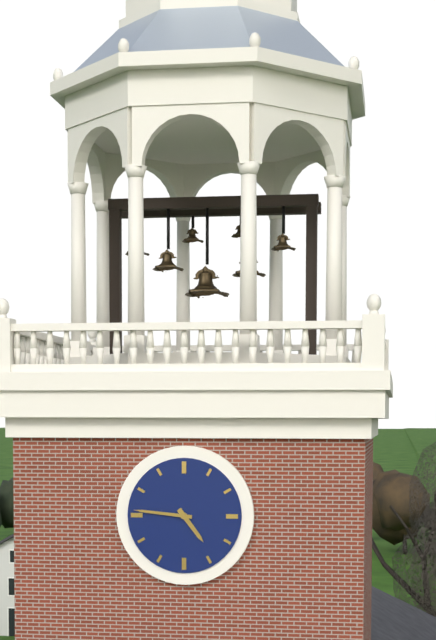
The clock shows 4:46
